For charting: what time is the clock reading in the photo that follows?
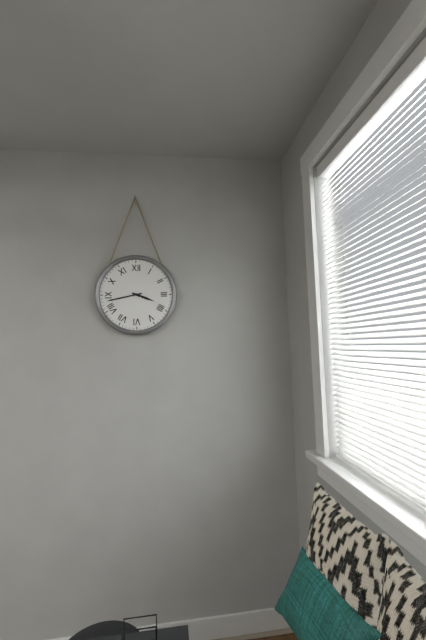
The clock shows 3:43
